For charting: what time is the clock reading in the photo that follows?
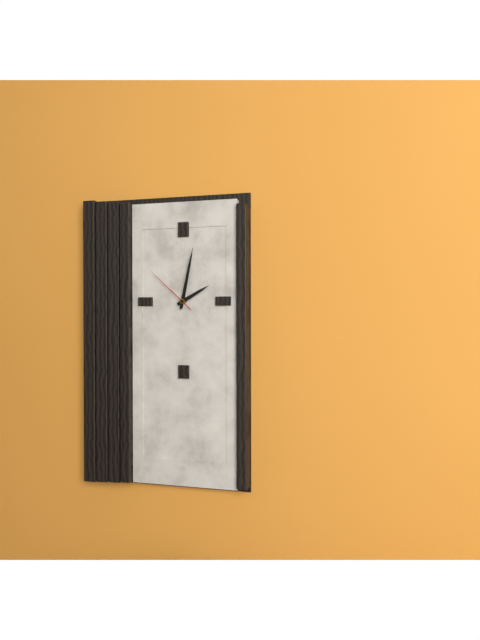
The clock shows 2:02:52
